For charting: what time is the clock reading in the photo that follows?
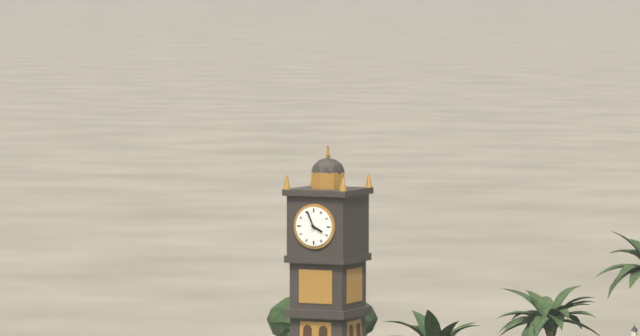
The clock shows 3:56
